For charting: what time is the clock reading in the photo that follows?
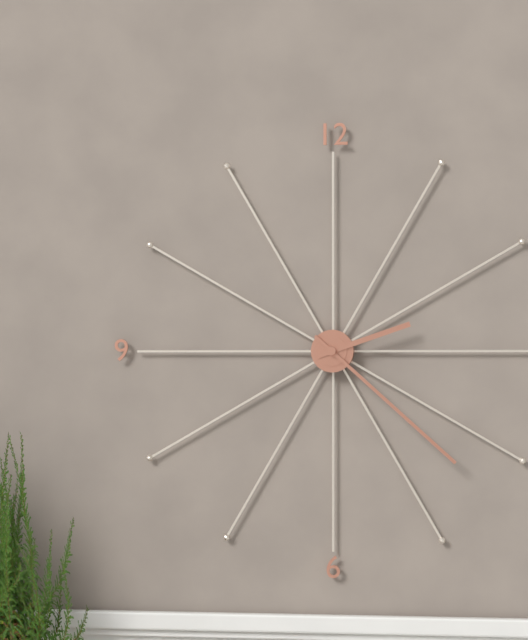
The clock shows 2:22
